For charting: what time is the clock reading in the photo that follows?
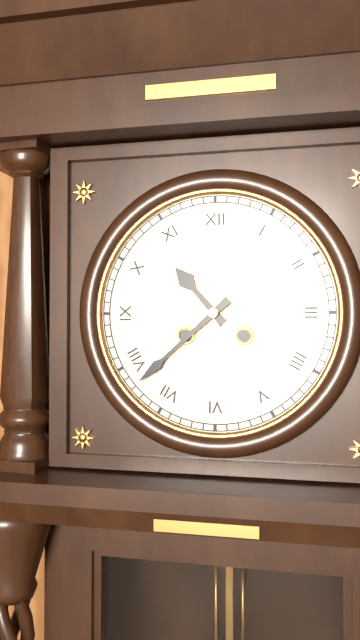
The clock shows 10:38
